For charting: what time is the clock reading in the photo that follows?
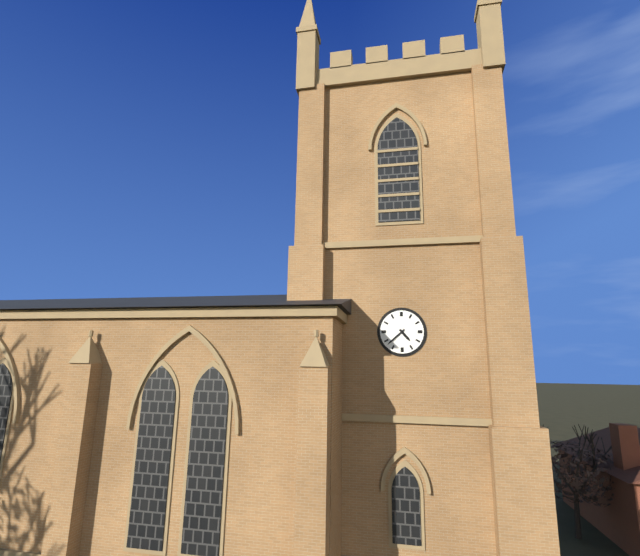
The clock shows 4:38
